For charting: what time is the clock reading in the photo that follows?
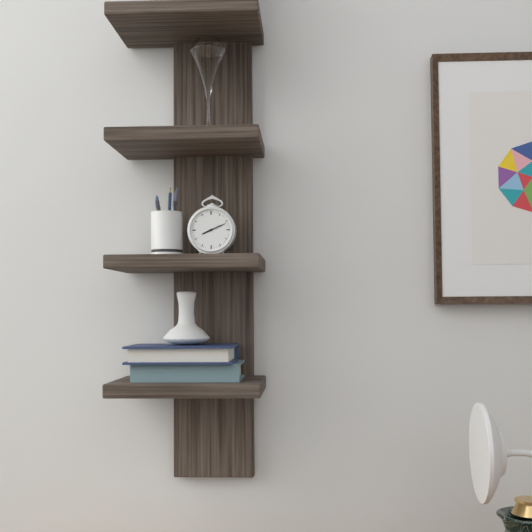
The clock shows 8:11
